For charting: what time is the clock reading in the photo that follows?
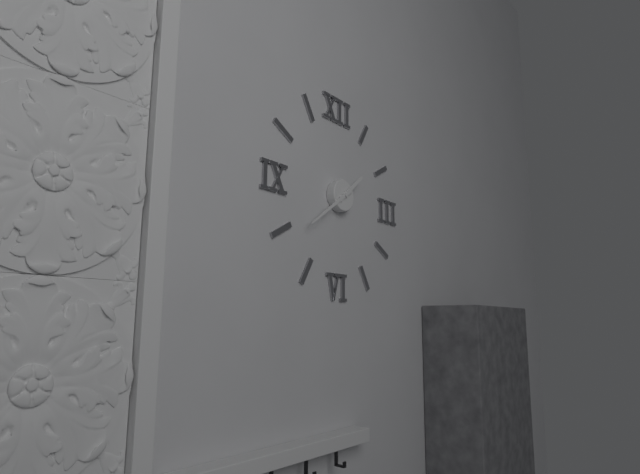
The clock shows 1:39
